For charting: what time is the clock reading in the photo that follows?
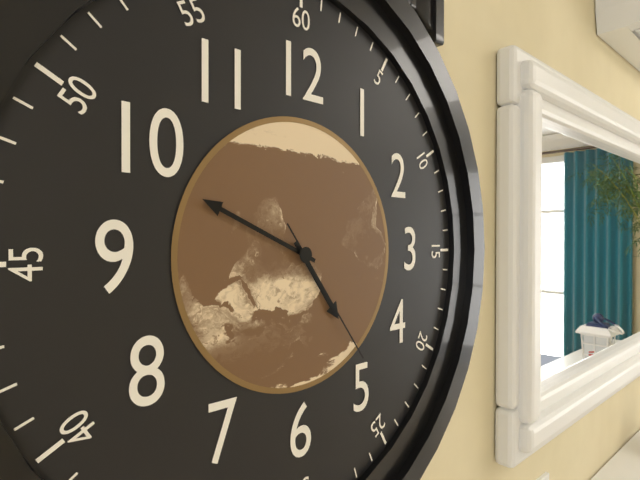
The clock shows 4:49:24
